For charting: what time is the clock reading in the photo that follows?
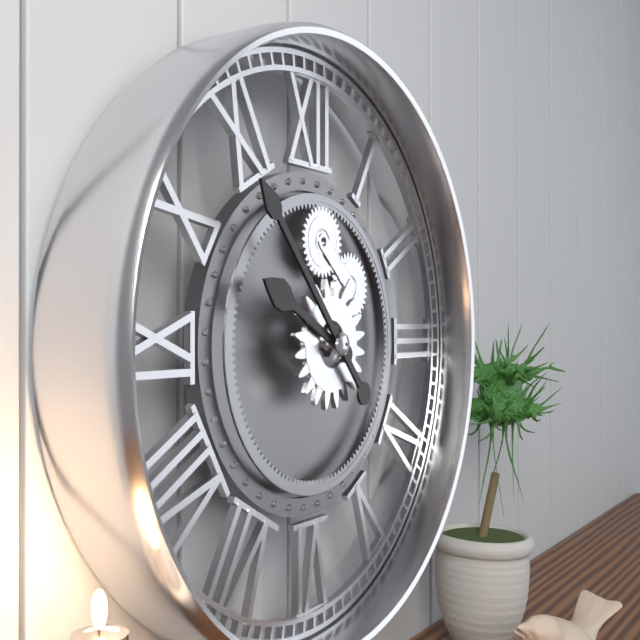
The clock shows 9:53
